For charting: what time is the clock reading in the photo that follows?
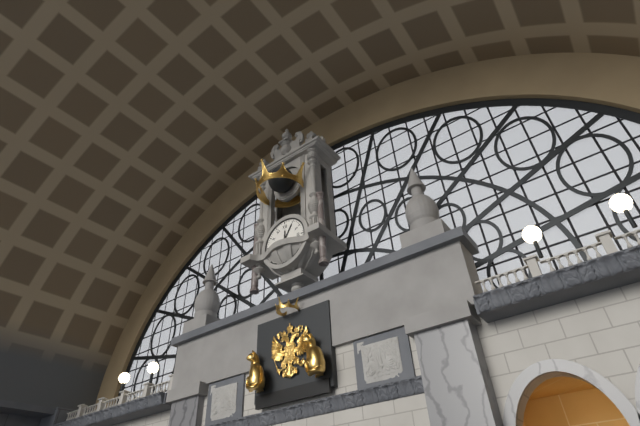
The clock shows 12:05
